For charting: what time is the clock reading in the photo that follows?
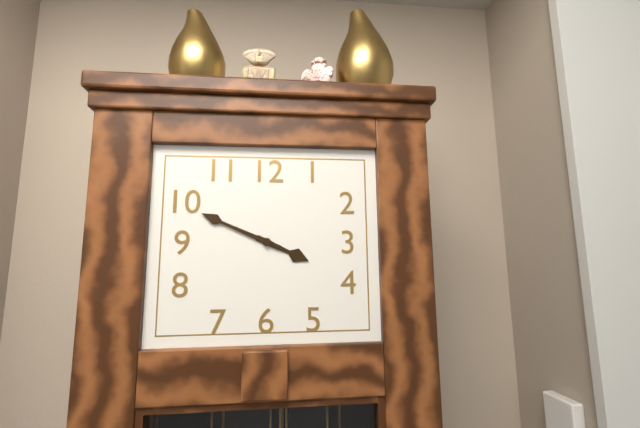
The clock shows 3:49
